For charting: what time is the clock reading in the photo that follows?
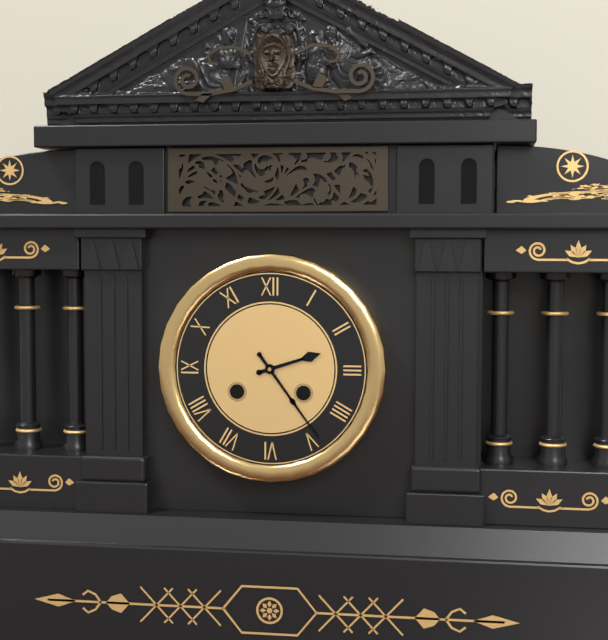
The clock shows 2:24
